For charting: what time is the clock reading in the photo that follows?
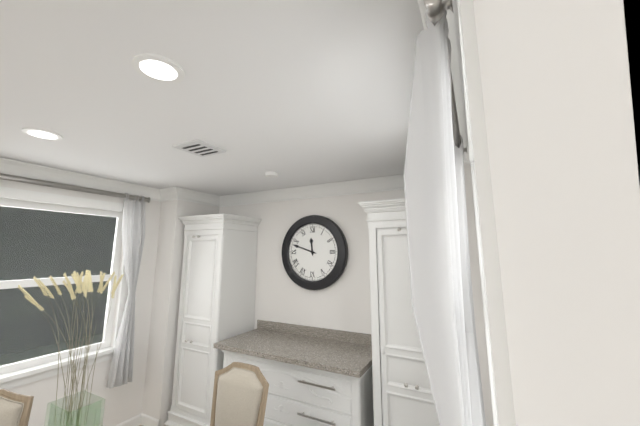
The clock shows 11:48
